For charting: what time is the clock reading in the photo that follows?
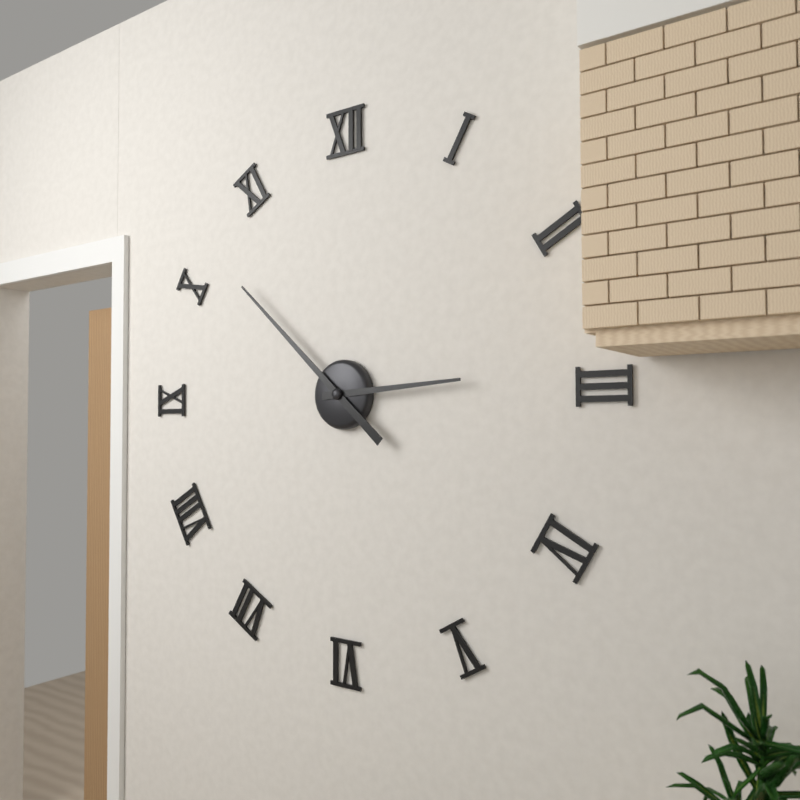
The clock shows 2:52
